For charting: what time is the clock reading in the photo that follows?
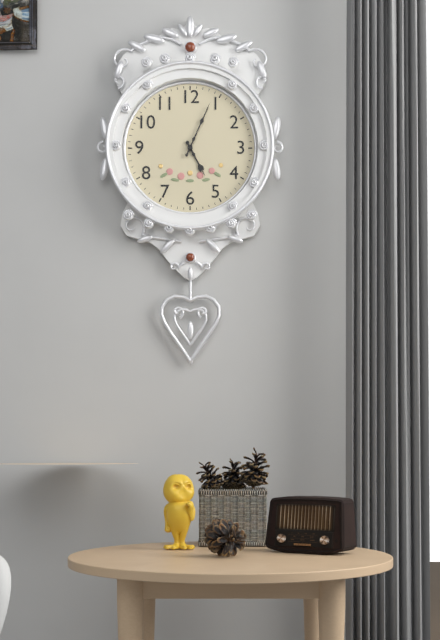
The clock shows 5:04
